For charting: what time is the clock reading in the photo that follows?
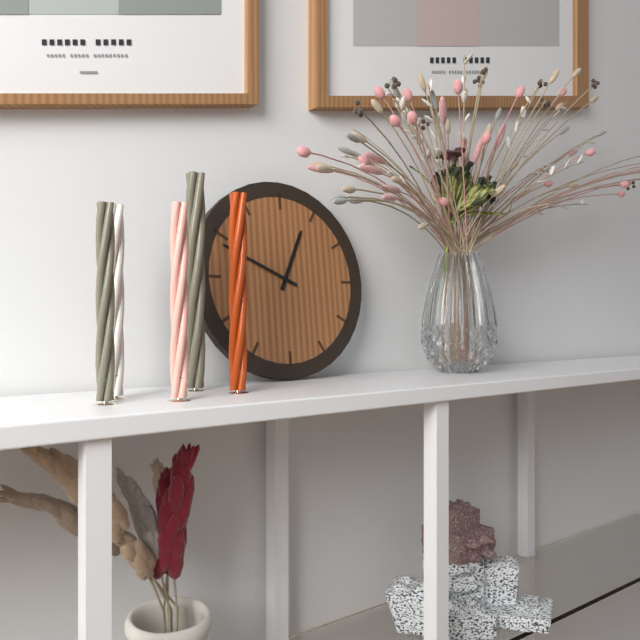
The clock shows 12:49
